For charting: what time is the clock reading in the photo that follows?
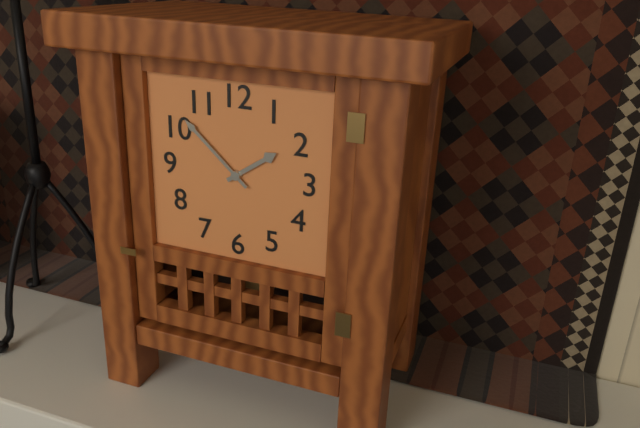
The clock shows 1:52
